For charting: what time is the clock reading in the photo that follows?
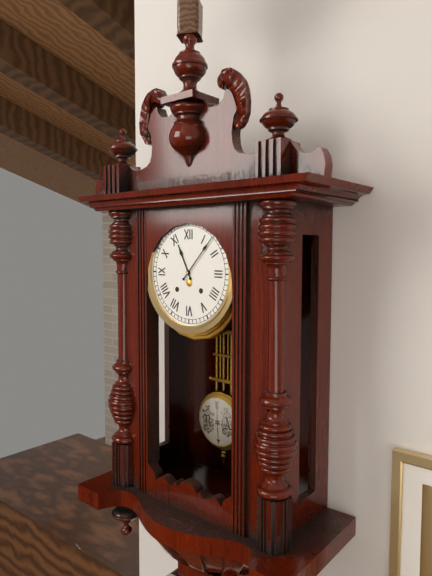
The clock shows 11:07
